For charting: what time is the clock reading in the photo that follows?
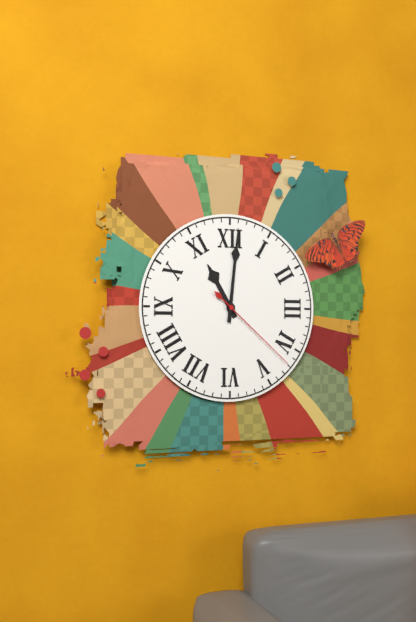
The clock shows 11:01:22
